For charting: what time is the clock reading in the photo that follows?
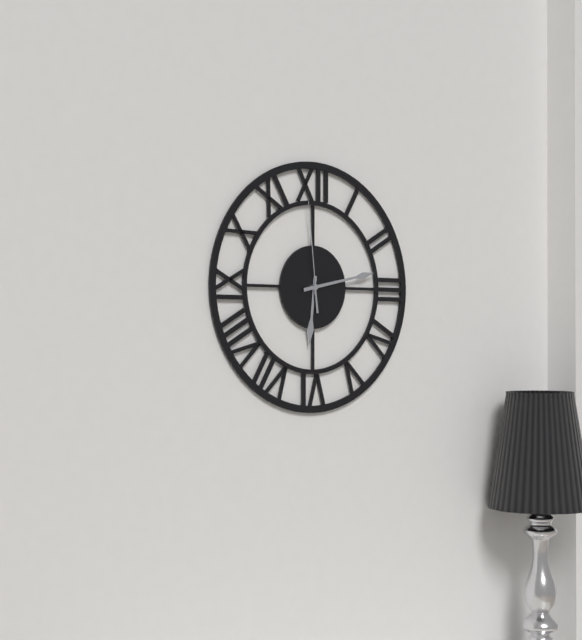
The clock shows 6:13:59
